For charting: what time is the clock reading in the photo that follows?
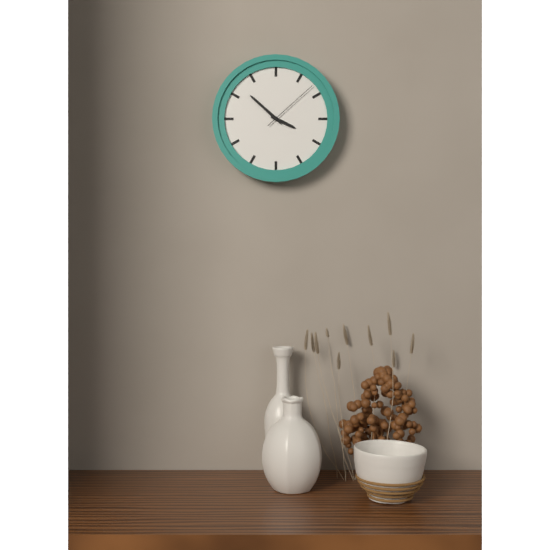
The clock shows 3:52:08
